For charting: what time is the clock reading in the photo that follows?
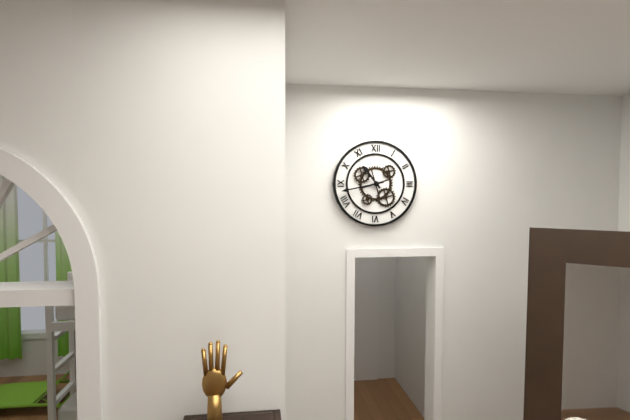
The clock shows 10:43
